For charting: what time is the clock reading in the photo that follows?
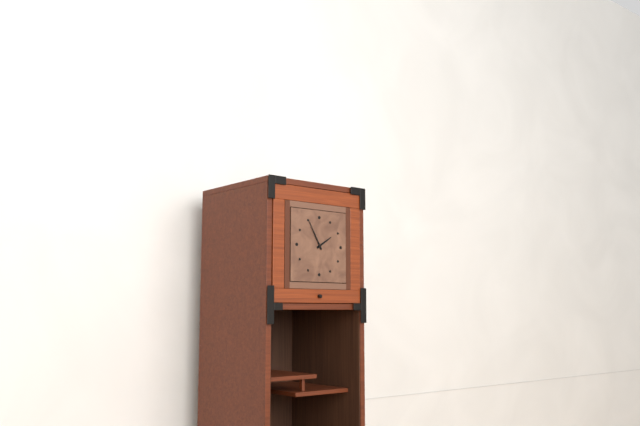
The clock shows 1:55
